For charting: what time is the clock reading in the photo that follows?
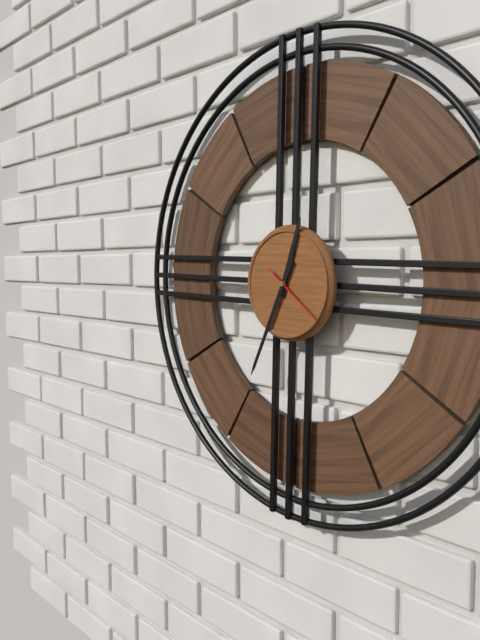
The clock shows 12:34:21
